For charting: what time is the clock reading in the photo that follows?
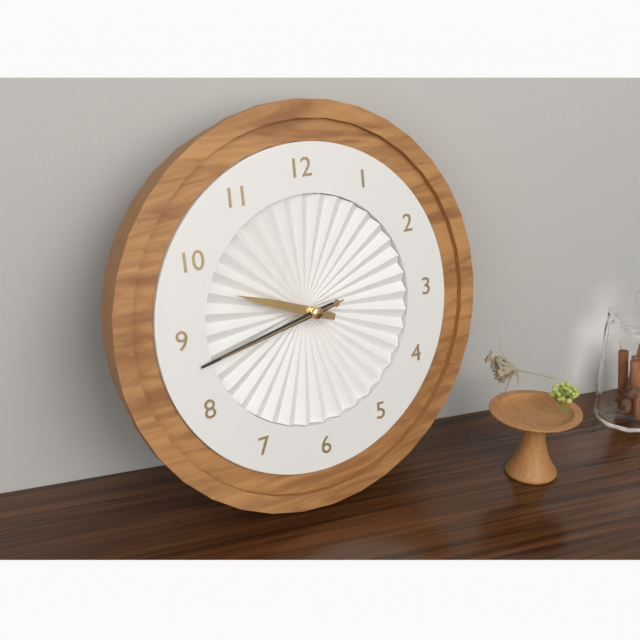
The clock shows 9:43:43
